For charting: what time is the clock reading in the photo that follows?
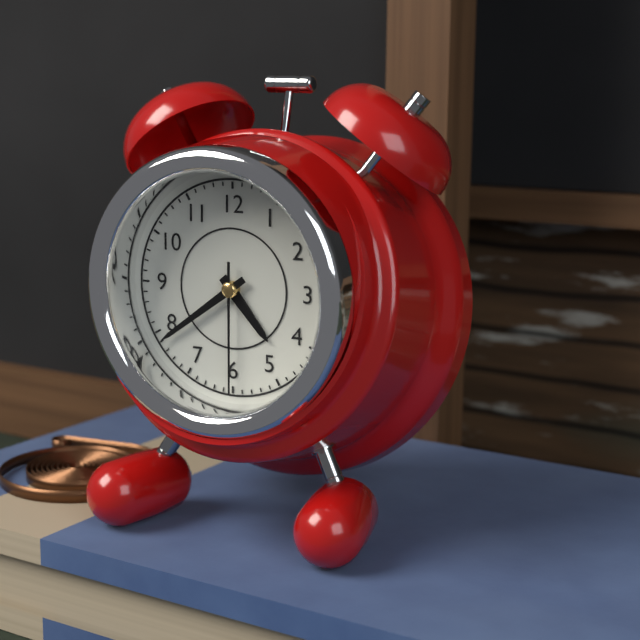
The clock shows 4:39:30
